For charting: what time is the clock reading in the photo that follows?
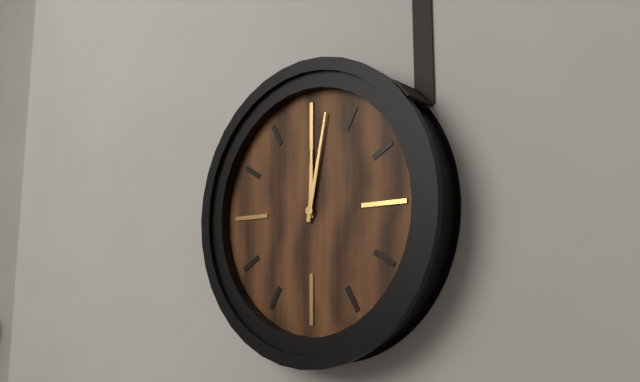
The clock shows 12:02
